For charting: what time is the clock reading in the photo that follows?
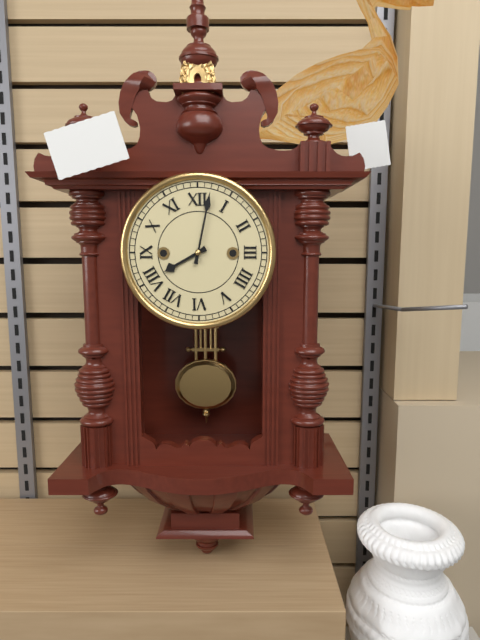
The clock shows 8:02
